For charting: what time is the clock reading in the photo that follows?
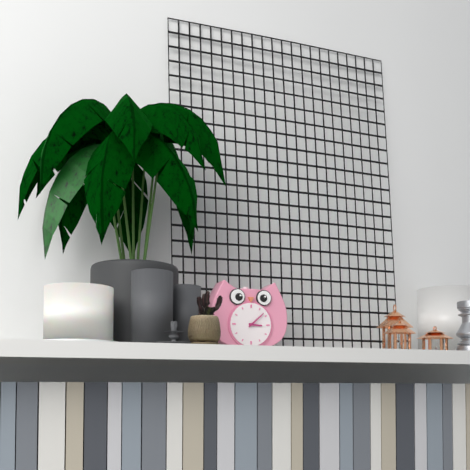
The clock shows 3:08
